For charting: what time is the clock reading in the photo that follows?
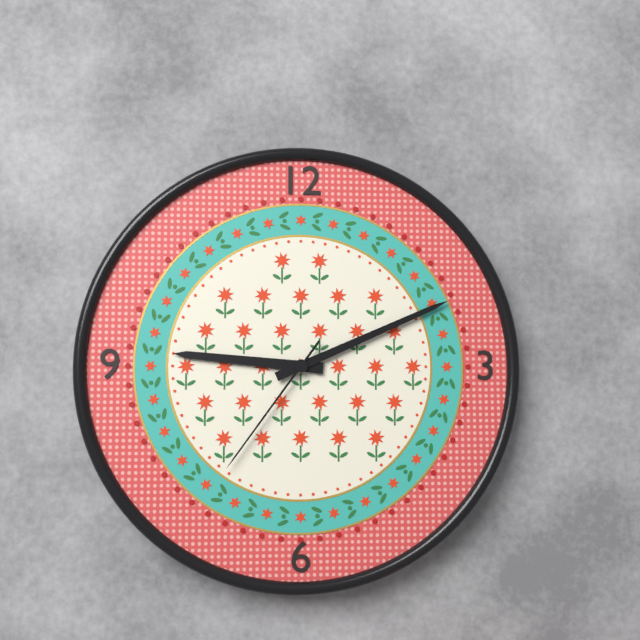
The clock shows 9:11:36
